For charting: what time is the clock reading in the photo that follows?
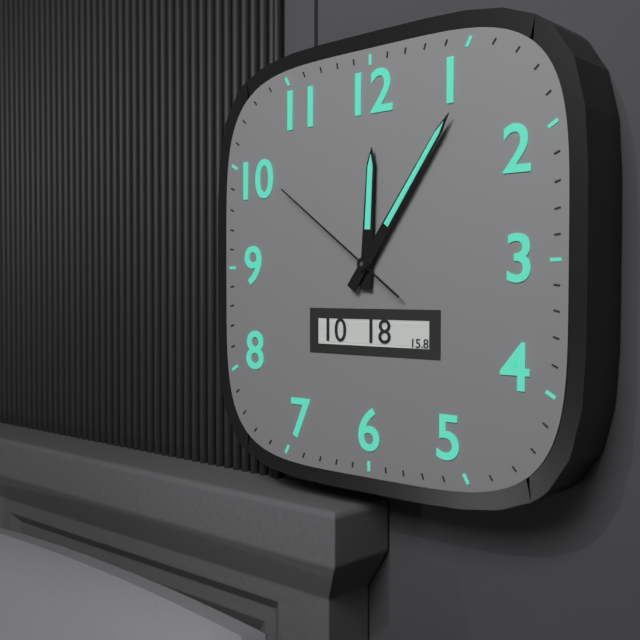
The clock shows 12:06:51
